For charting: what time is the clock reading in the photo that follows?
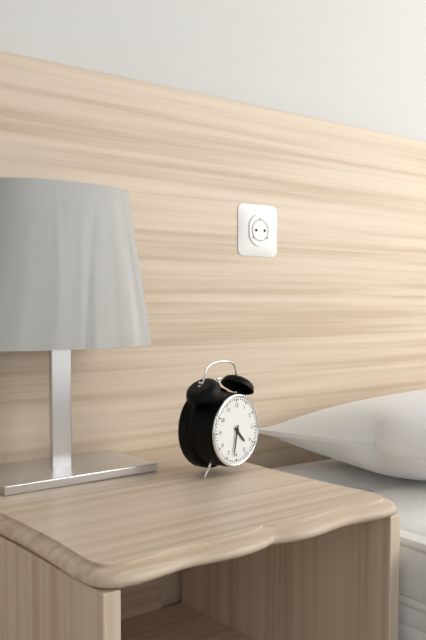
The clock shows 4:32
